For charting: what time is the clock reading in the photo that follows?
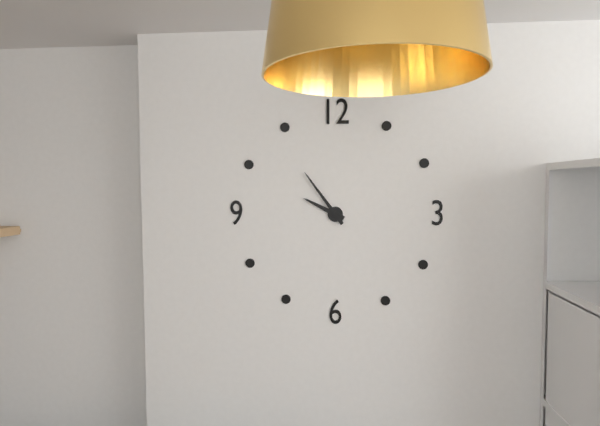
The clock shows 9:54
